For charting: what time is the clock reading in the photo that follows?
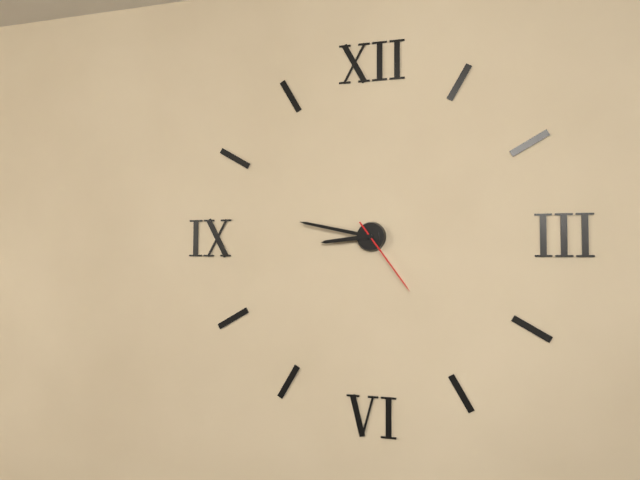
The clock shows 8:47:24
